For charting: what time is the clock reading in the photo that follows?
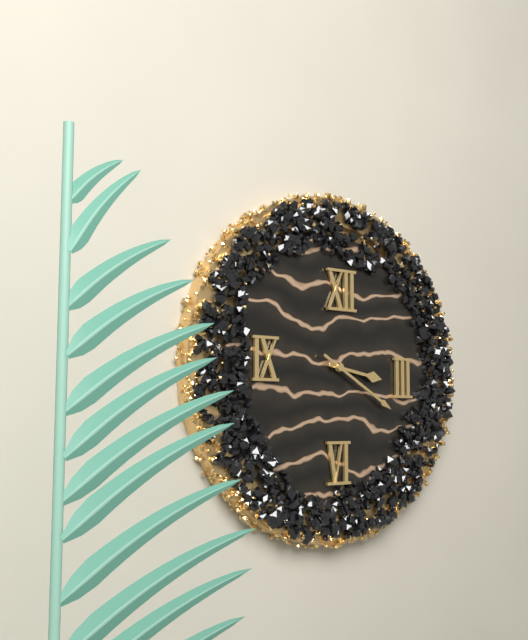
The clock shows 3:20
